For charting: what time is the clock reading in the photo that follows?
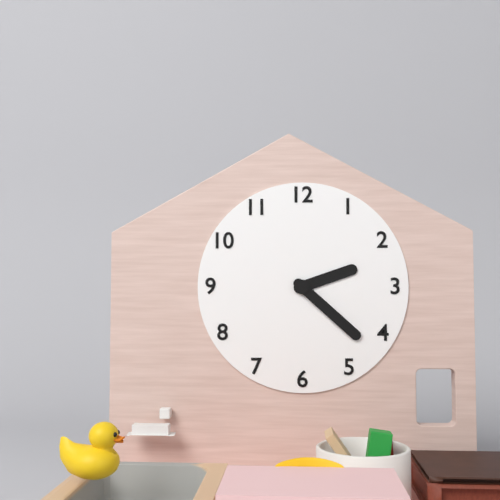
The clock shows 2:22
